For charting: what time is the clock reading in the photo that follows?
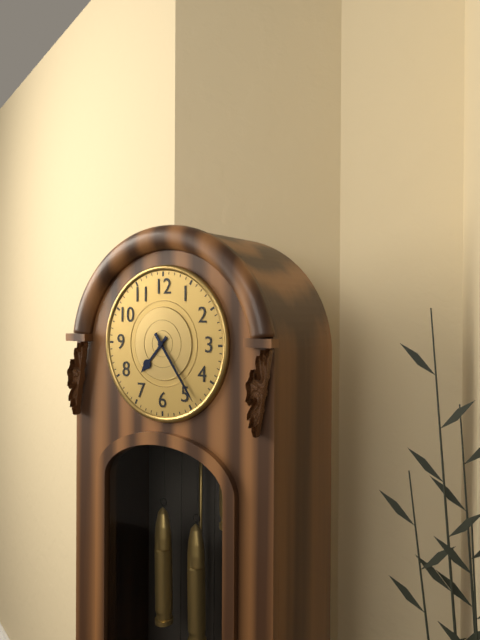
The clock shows 7:24
